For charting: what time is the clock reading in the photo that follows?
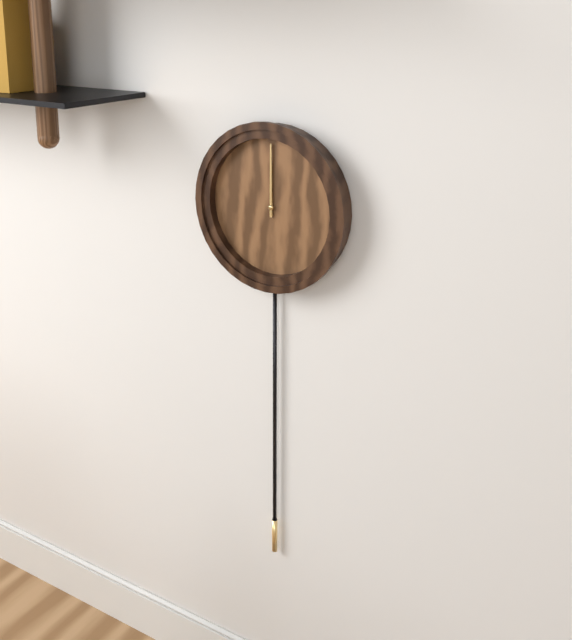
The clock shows 12:00
